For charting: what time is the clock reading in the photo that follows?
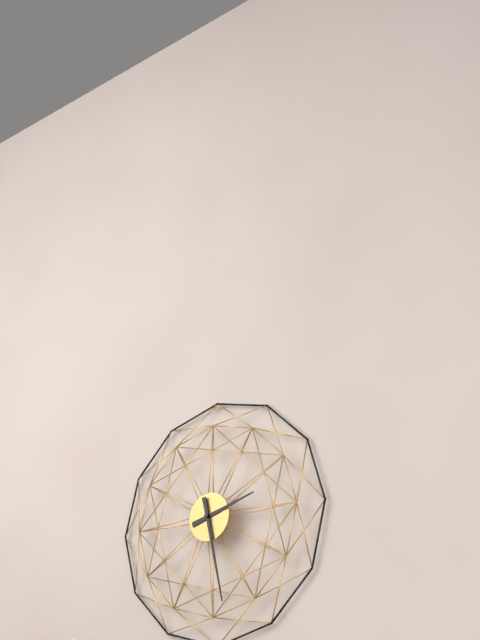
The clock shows 2:28
